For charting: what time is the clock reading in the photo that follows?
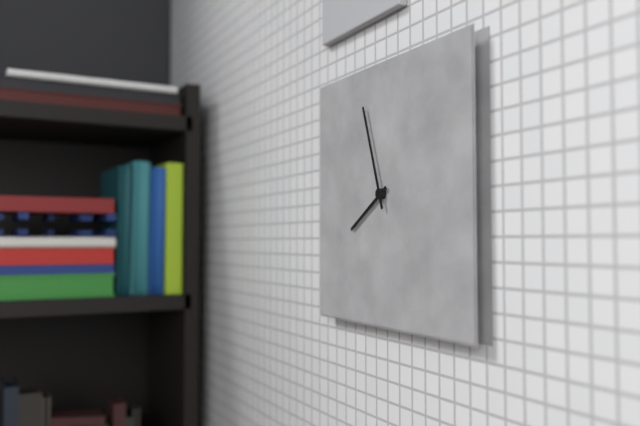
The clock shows 7:57
